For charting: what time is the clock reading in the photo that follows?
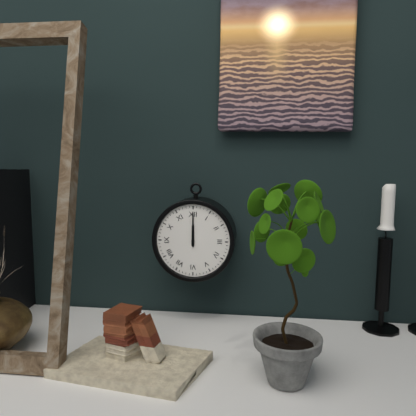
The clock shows 12:00
